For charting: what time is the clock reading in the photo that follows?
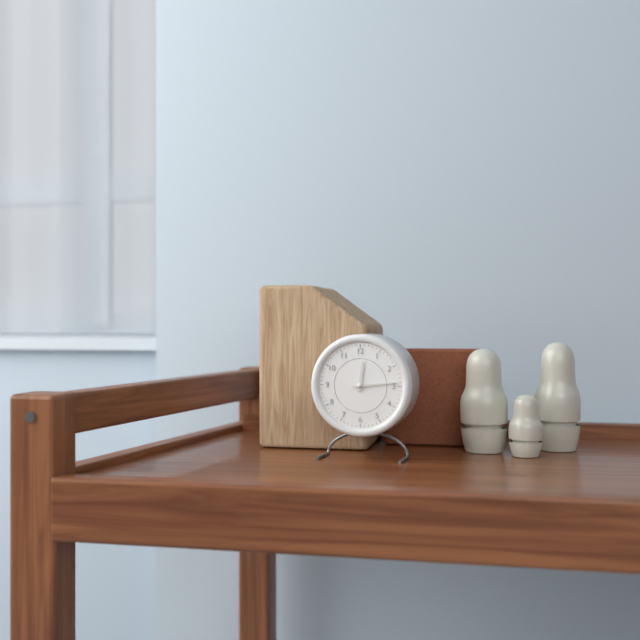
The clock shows 12:14
